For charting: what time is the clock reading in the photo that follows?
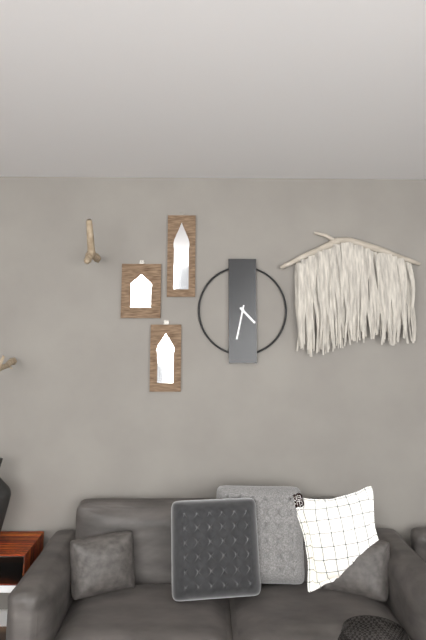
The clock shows 4:32
